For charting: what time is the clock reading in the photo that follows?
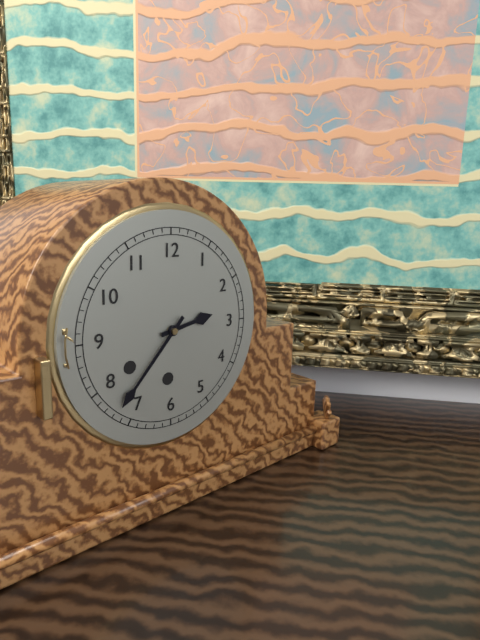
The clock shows 2:37
